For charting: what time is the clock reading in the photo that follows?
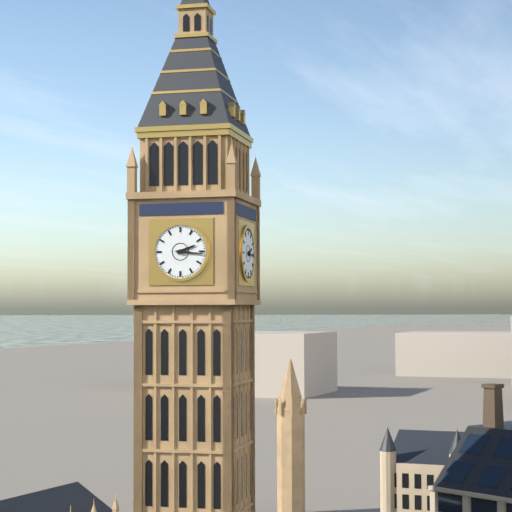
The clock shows 2:16
